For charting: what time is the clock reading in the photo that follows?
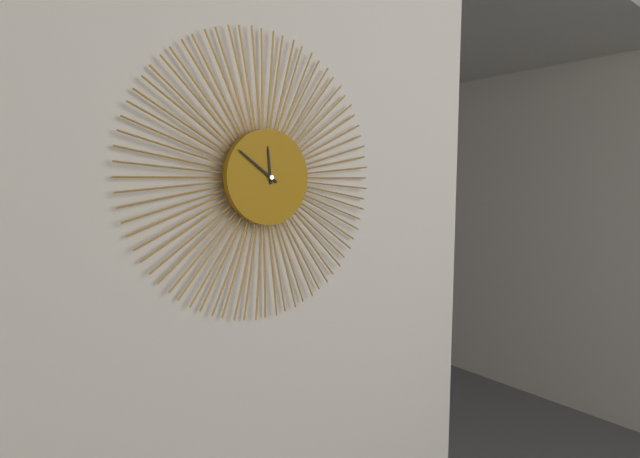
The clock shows 11:51
